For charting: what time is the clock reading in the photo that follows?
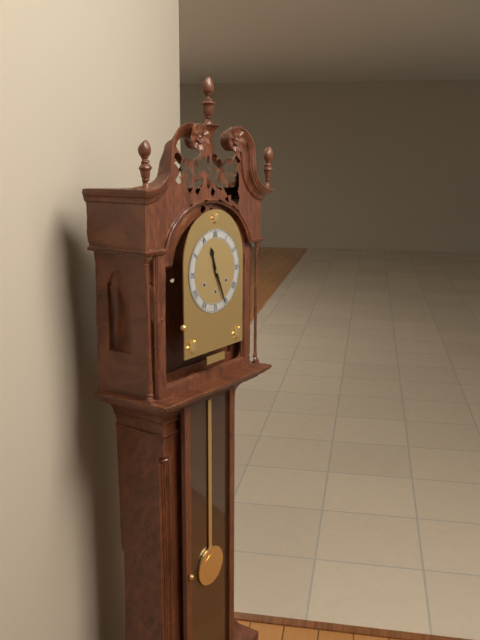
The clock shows 11:26
